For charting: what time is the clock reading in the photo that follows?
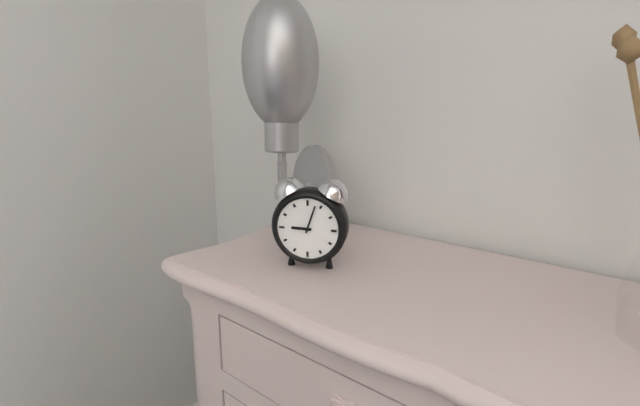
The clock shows 9:03
